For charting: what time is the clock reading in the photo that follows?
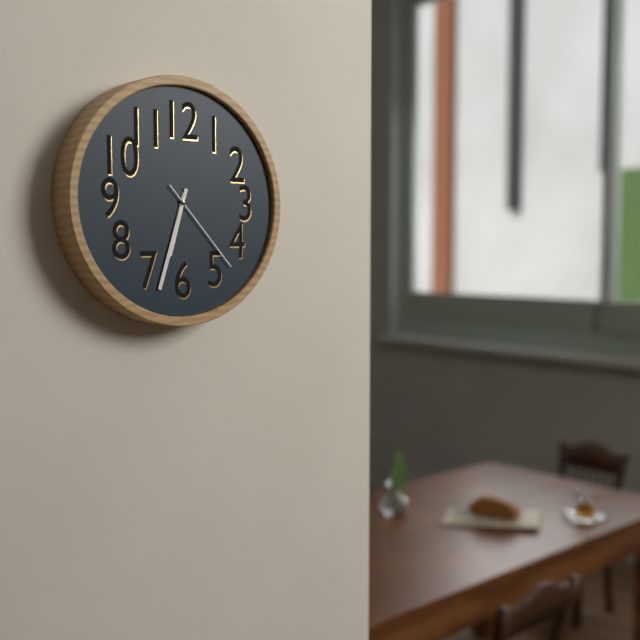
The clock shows 6:33:23
